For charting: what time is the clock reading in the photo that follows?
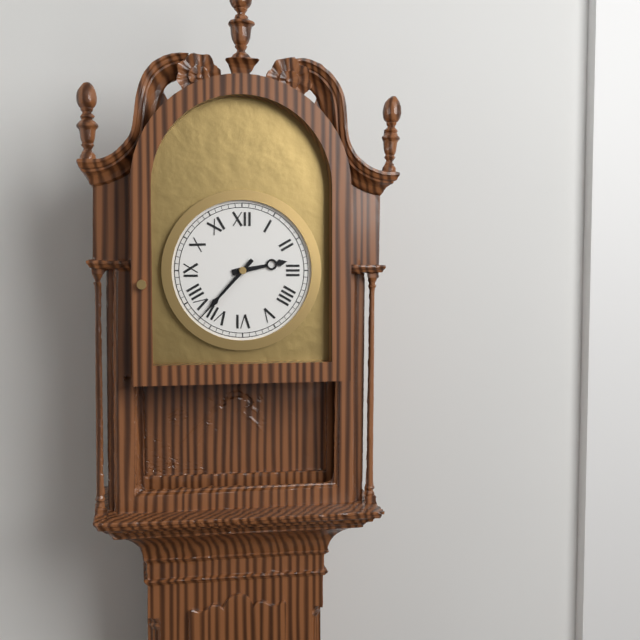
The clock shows 2:37
